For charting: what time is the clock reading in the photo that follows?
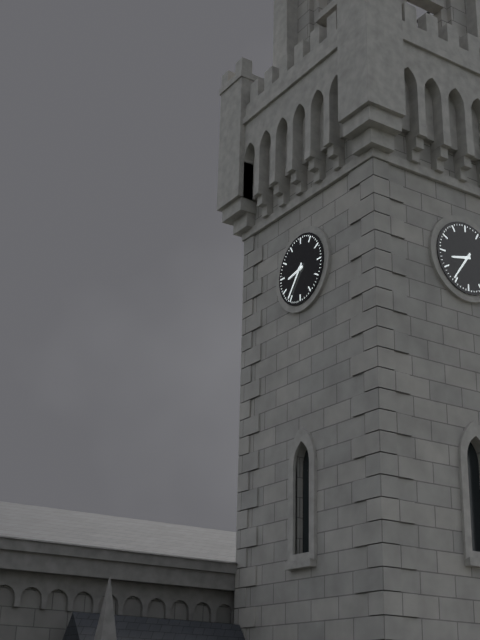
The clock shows 8:36
